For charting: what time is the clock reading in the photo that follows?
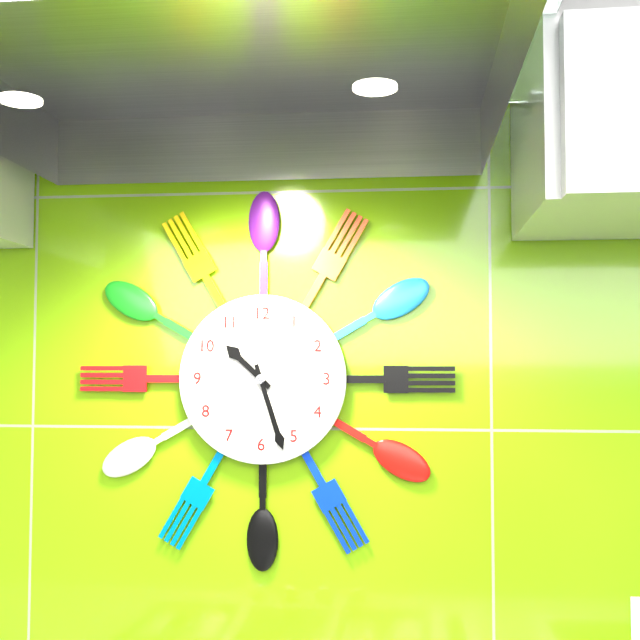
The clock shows 10:27
